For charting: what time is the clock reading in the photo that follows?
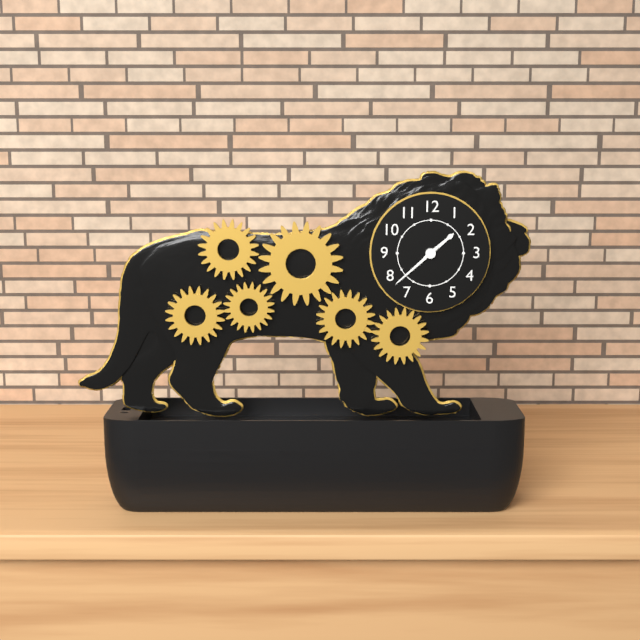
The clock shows 1:38
